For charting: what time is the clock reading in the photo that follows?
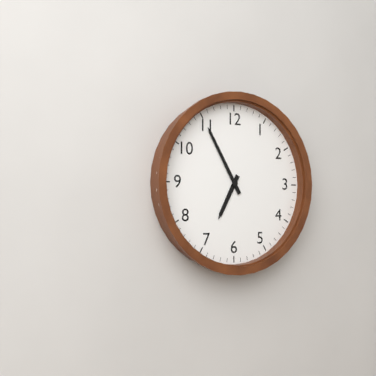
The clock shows 6:55
